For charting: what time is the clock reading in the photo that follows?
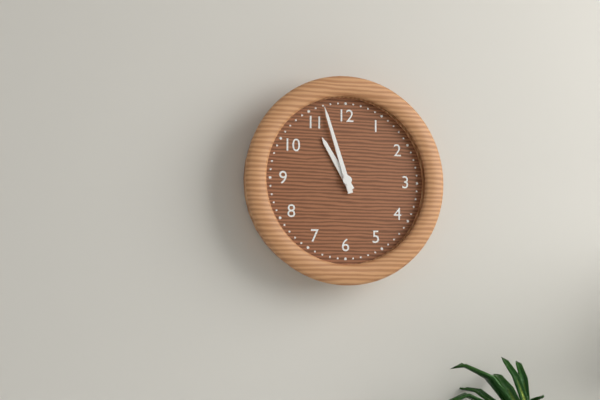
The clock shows 10:57
